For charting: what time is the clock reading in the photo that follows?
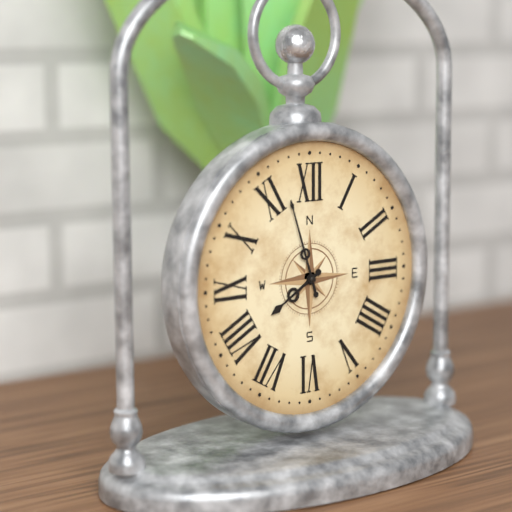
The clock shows 7:57
